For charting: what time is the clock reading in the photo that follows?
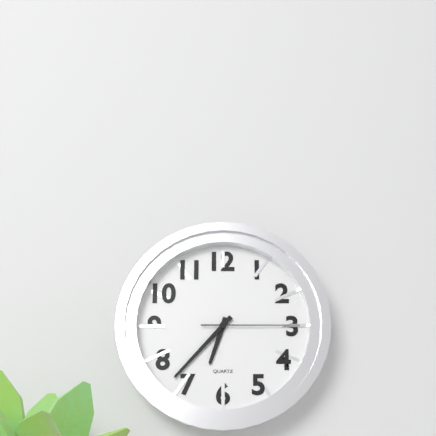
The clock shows 6:37:15
